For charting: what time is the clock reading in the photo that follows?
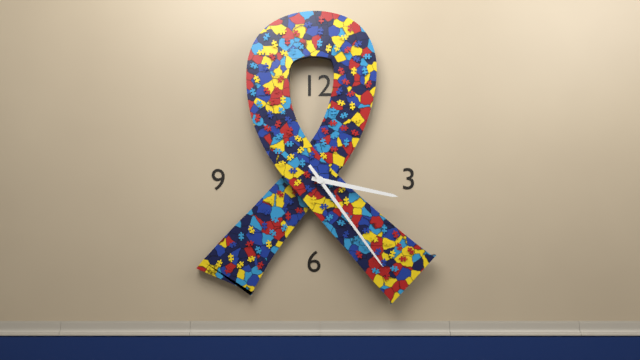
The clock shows 3:24
